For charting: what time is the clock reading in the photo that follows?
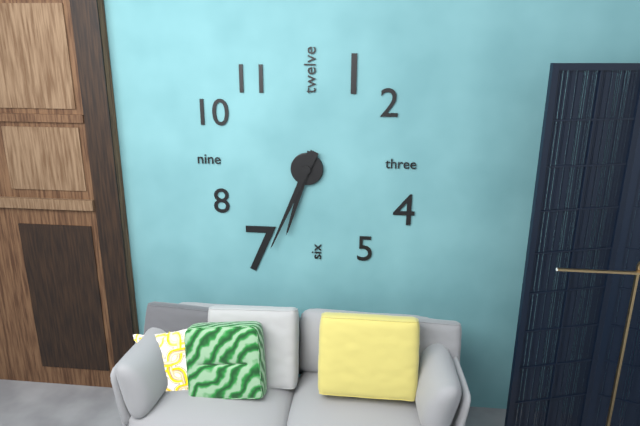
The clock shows 6:34
